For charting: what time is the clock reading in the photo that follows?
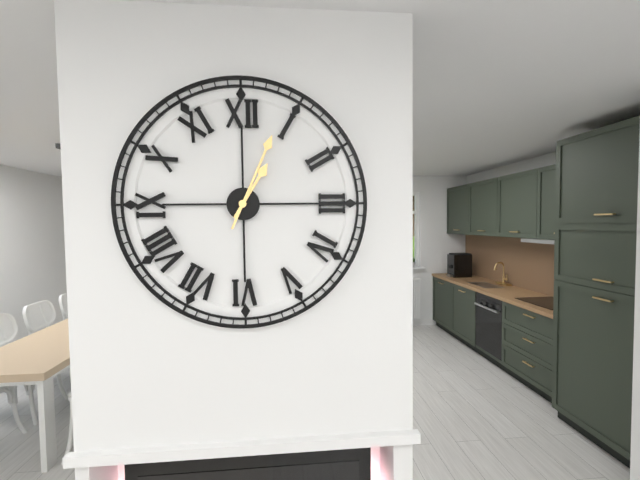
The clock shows 1:04
